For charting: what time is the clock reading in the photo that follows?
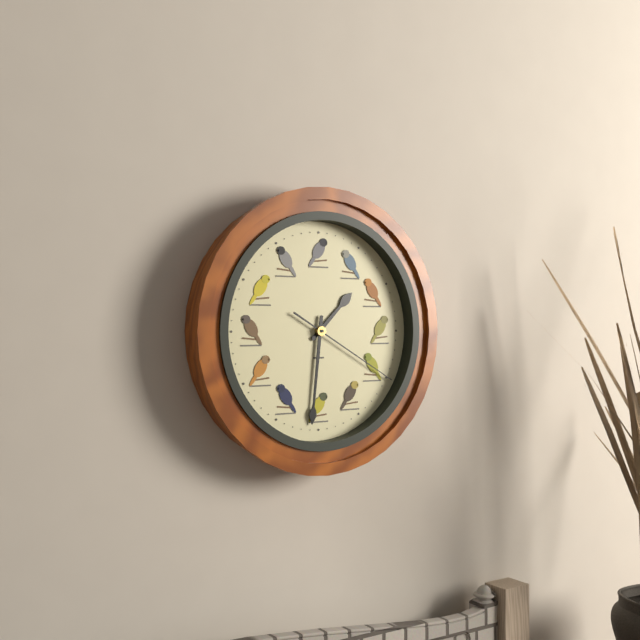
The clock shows 1:31:20
